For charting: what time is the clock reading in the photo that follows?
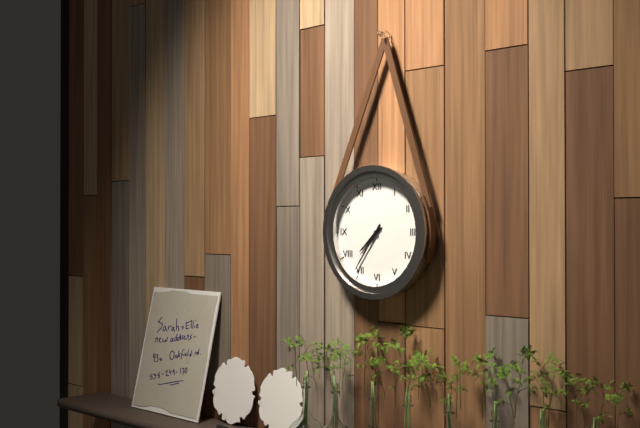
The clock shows 7:36
